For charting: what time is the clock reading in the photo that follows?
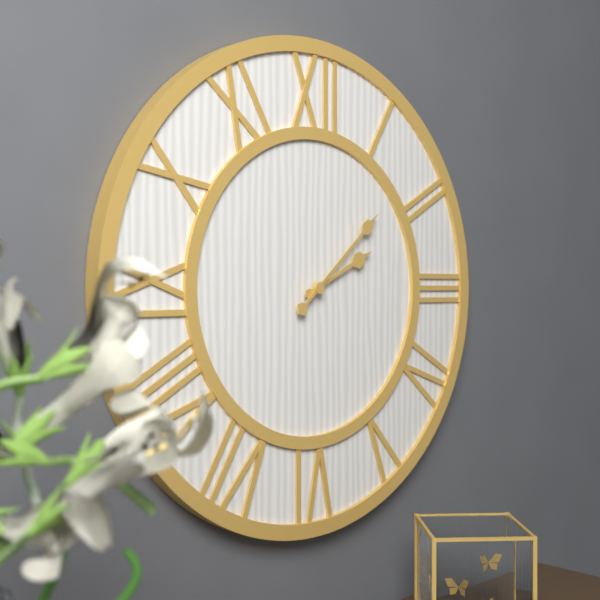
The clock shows 2:08
